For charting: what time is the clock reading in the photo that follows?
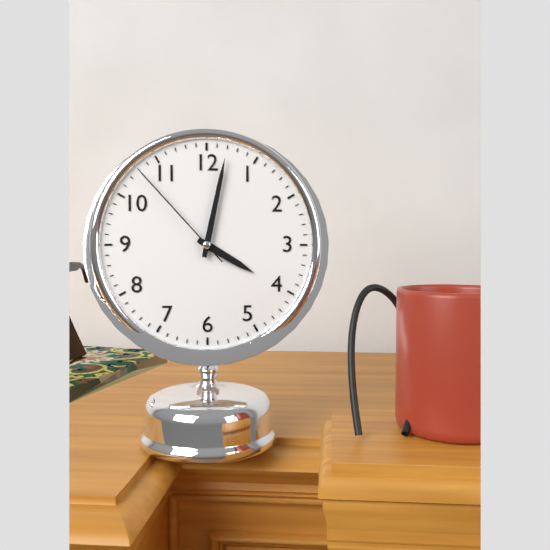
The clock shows 4:02:53
